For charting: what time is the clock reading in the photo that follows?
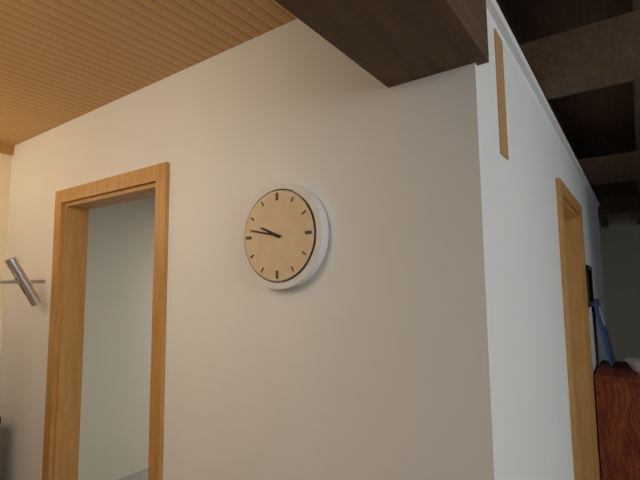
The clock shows 9:47
